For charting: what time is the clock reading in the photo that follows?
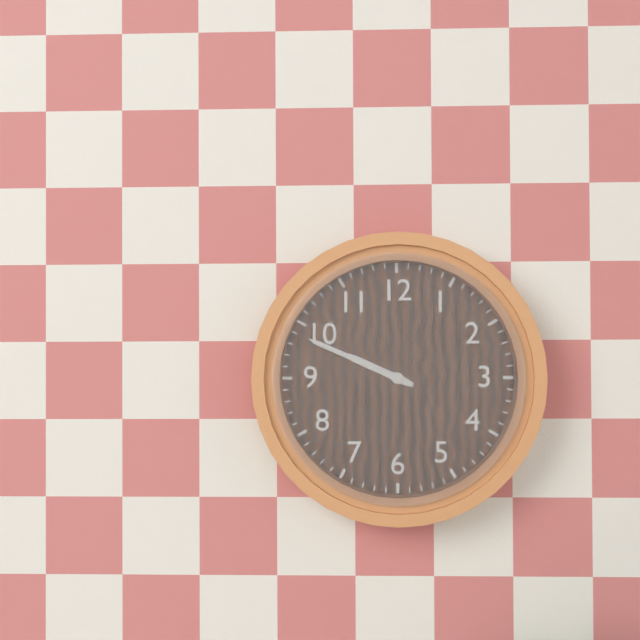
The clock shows 9:49
